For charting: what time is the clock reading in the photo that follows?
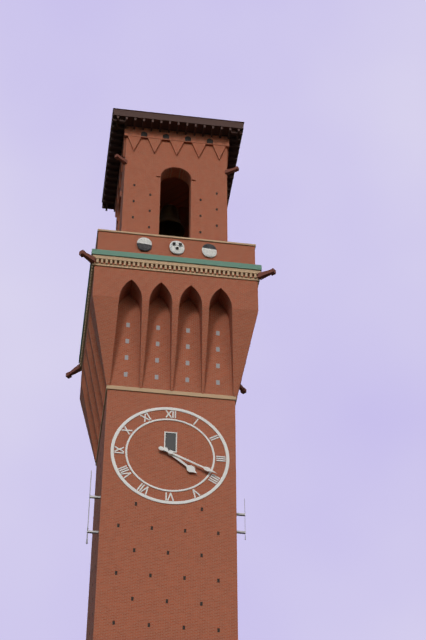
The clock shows 4:19
